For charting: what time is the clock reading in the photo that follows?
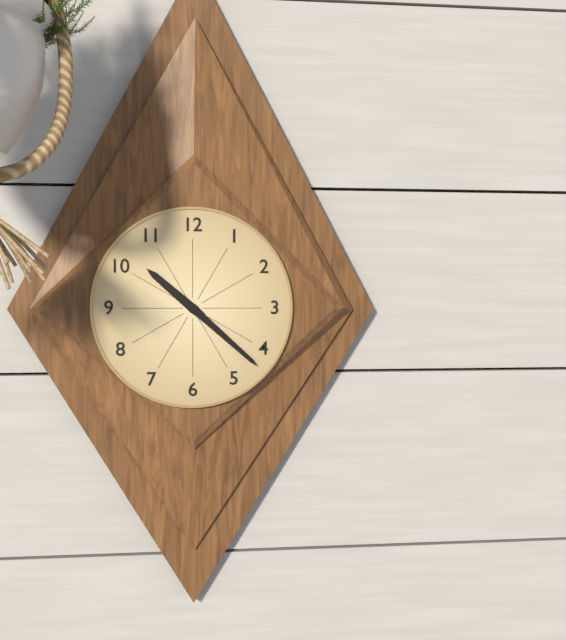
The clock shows 10:22
